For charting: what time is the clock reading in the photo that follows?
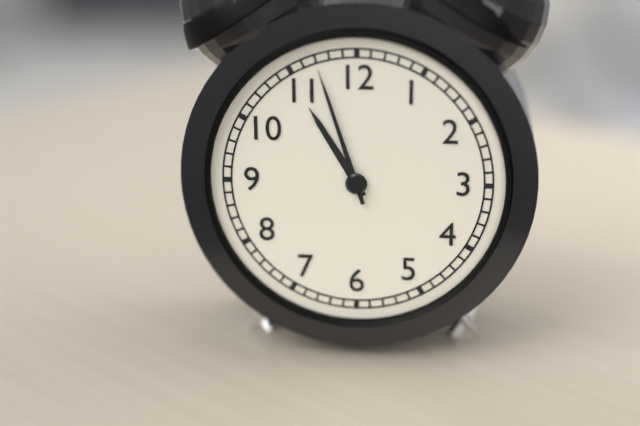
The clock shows 10:57
